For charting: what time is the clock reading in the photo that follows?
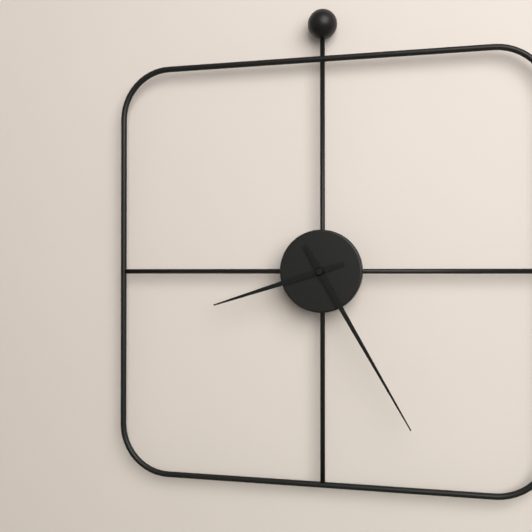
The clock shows 8:25
